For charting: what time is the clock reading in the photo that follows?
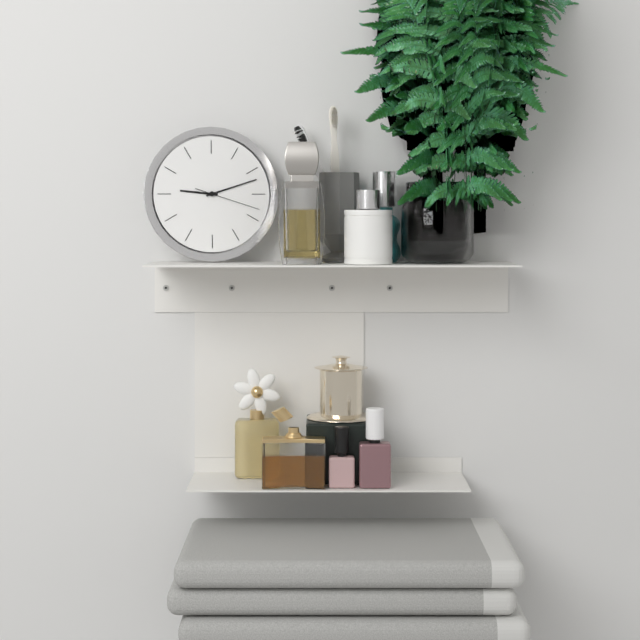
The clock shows 9:12:18
